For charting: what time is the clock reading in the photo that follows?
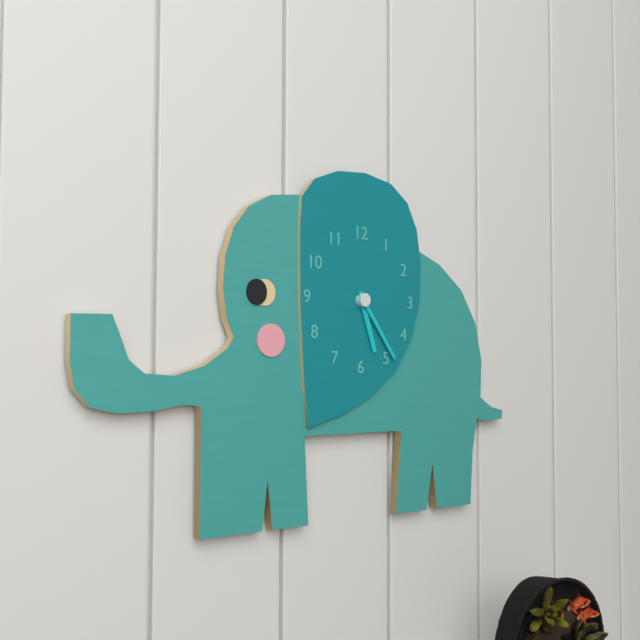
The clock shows 5:24
